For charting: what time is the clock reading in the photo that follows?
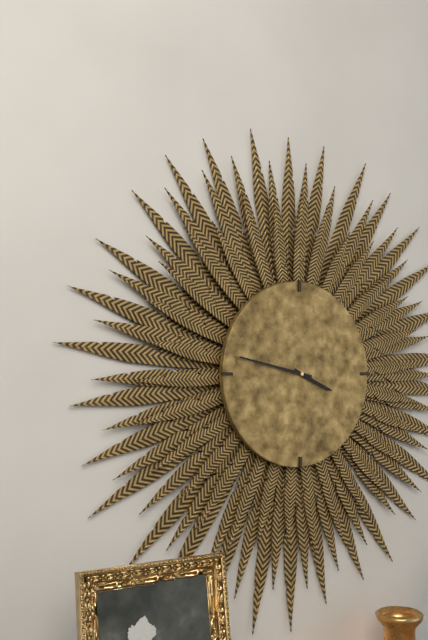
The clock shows 3:47
